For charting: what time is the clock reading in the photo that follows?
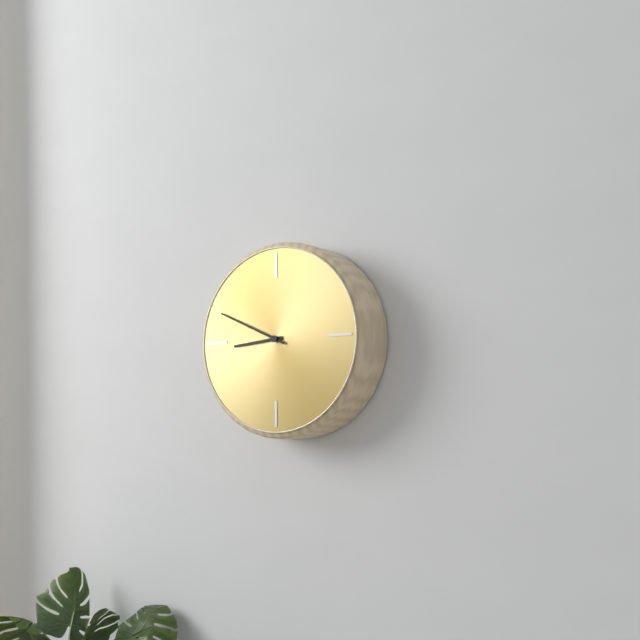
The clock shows 8:49
